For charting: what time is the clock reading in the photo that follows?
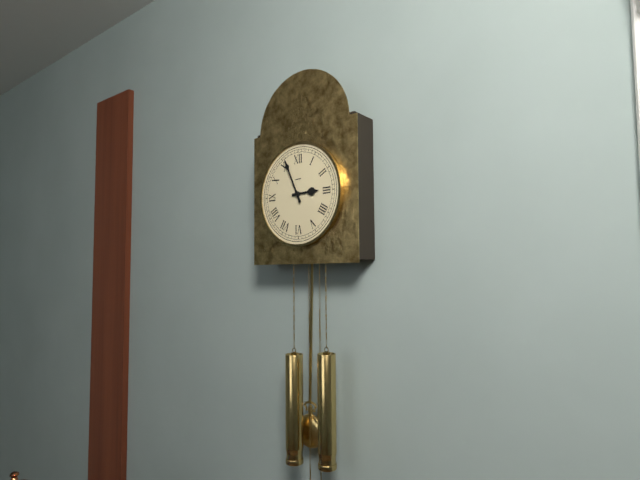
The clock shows 2:56
